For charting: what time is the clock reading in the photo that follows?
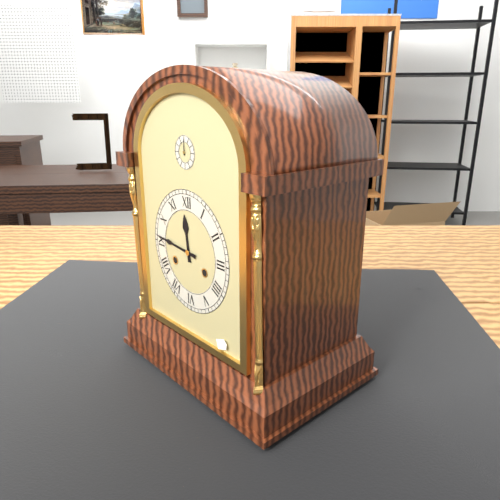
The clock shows 11:46
